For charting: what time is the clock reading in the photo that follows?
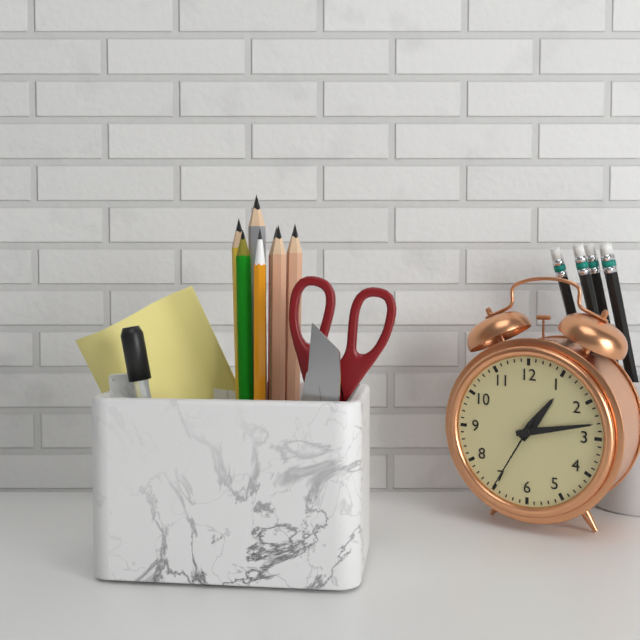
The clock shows 1:13:35
